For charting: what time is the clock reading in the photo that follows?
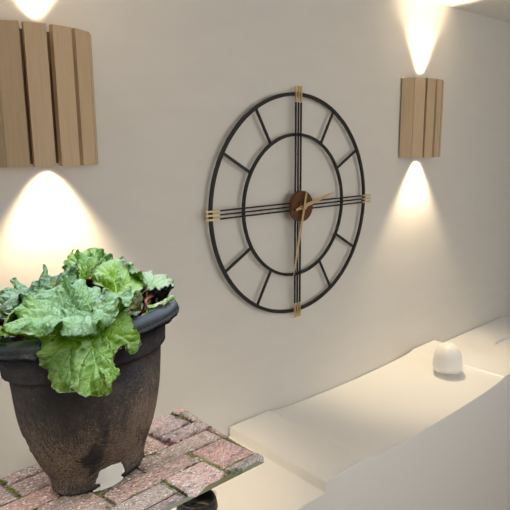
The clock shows 2:32
